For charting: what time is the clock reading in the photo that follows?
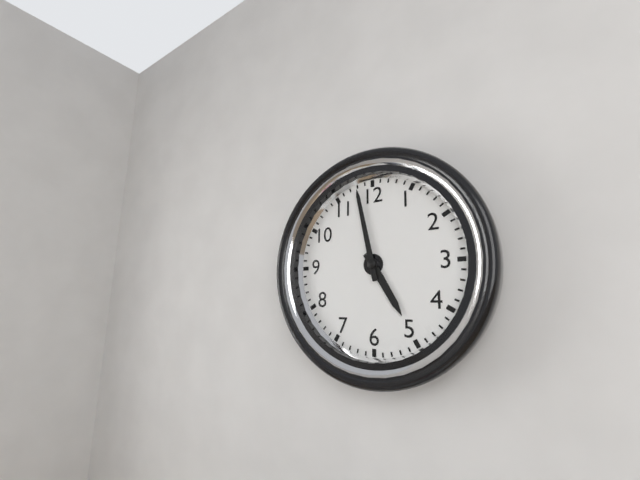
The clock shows 4:58
